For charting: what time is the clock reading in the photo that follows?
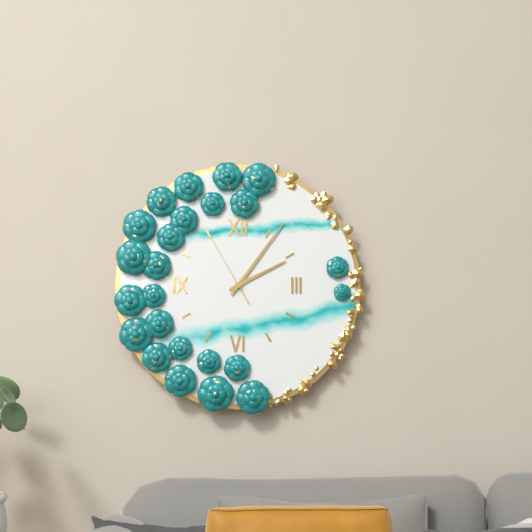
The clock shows 2:06:55
